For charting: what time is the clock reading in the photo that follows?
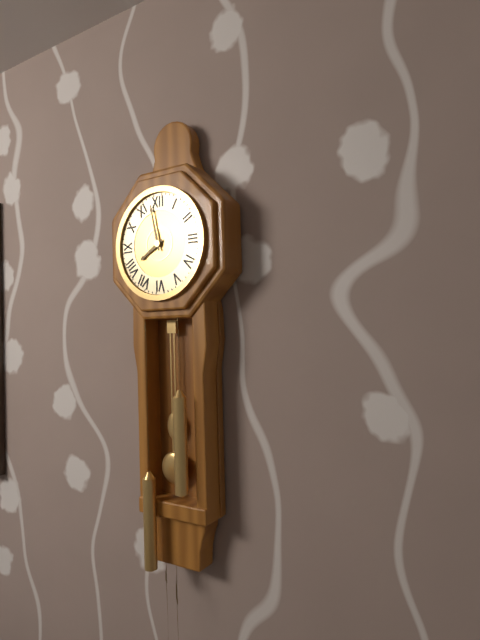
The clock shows 7:58
